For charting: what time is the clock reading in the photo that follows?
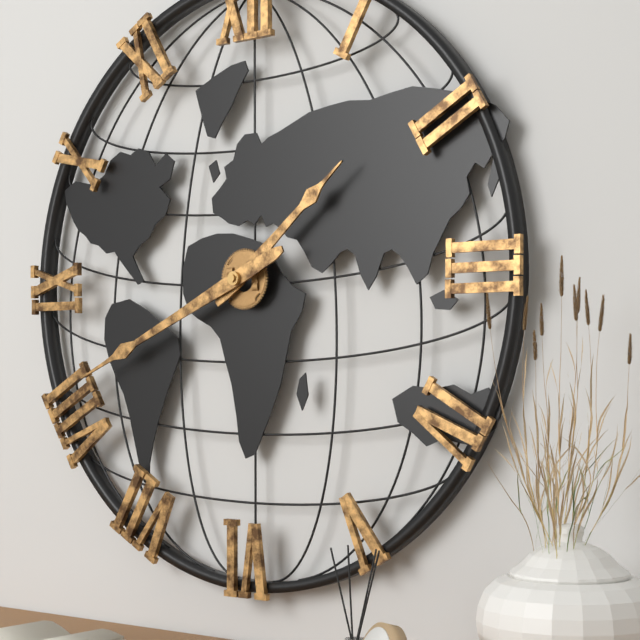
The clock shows 1:41
